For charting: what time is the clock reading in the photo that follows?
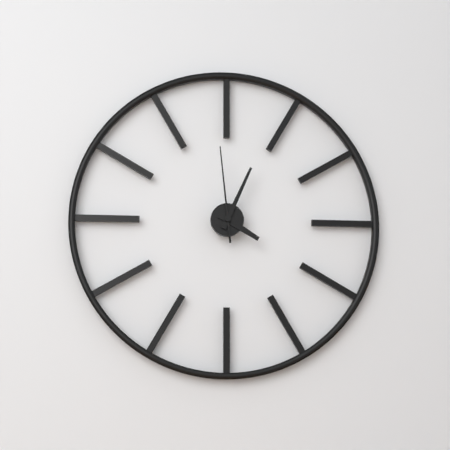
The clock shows 4:04:59
